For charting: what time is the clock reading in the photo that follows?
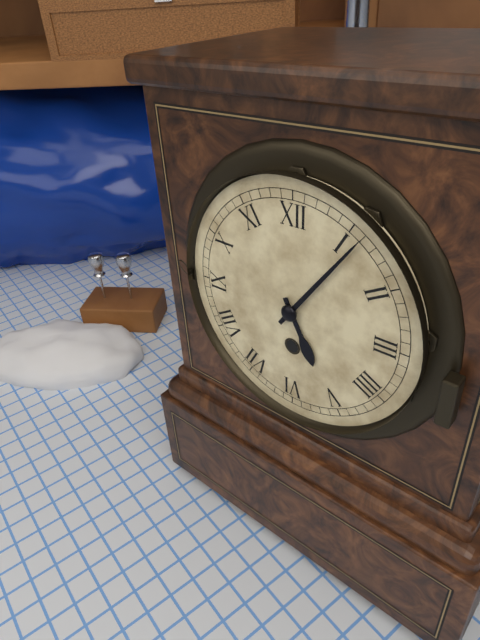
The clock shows 5:06
